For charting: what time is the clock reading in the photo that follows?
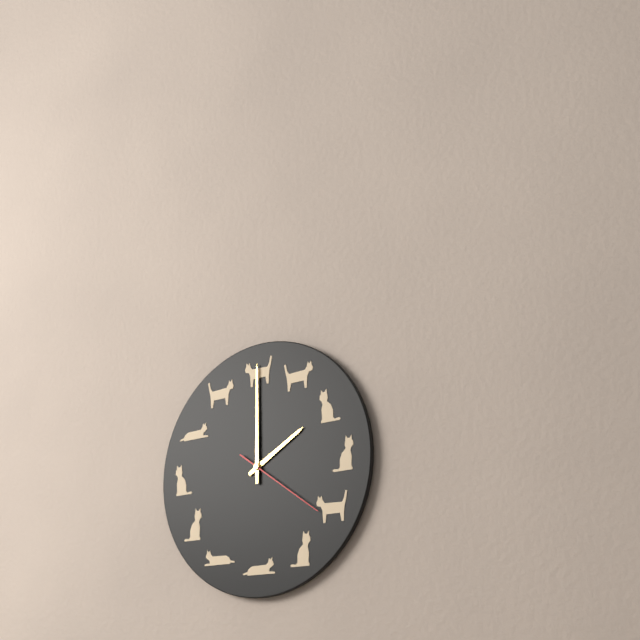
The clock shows 2:00:21
